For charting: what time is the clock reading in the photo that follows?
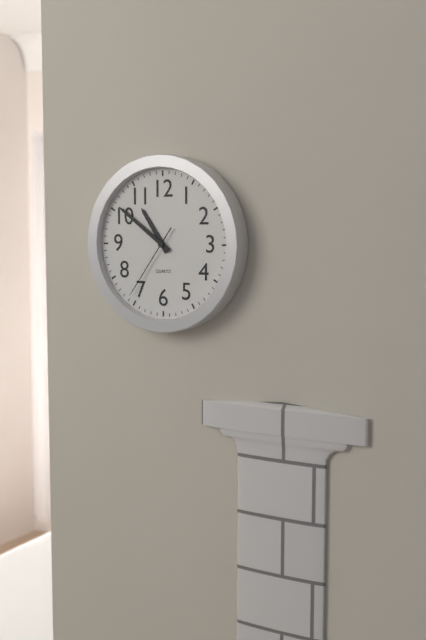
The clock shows 10:51:36
